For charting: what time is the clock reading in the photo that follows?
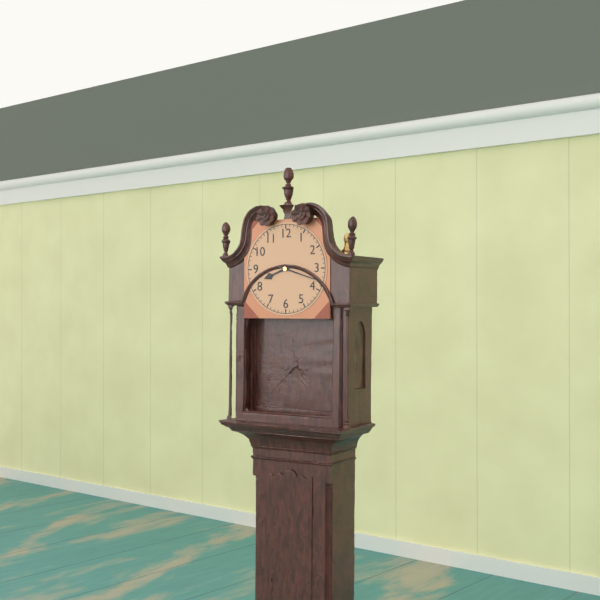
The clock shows 8:18
